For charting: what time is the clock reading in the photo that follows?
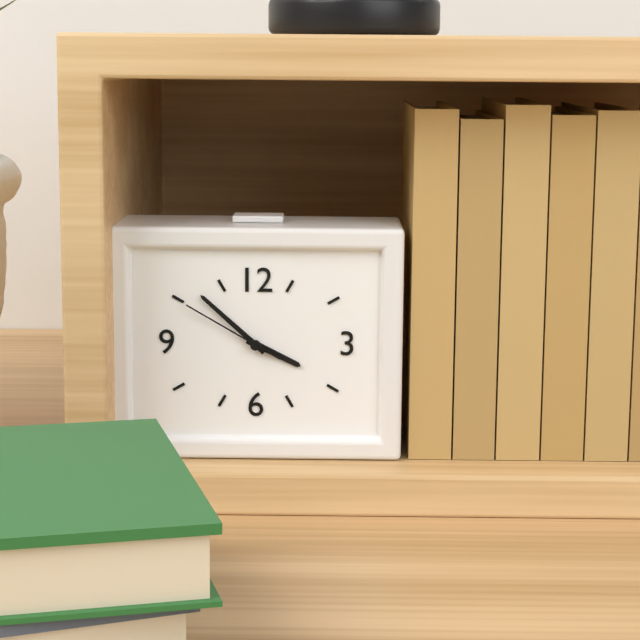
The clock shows 3:52:50
